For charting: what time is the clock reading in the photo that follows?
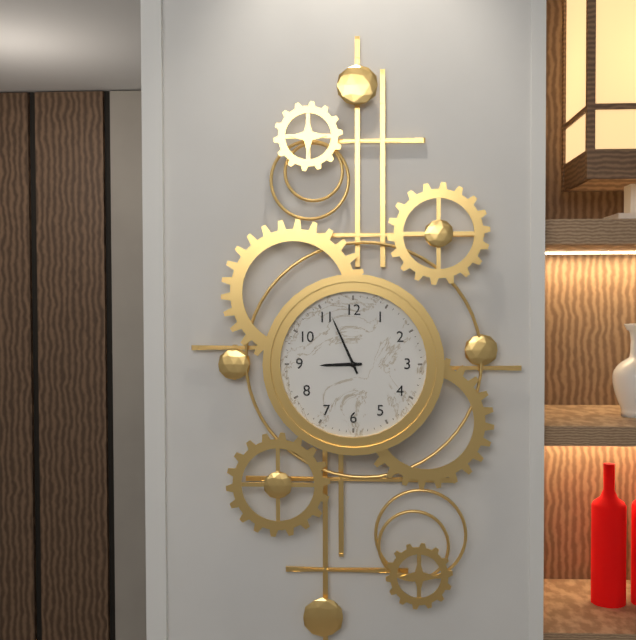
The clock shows 8:56
